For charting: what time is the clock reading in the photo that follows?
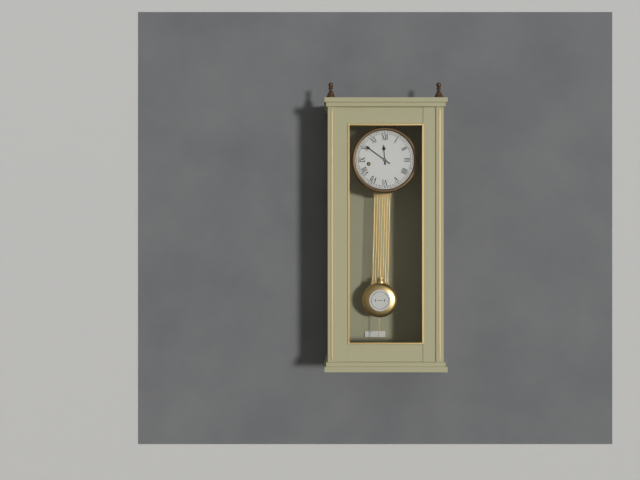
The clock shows 11:51
